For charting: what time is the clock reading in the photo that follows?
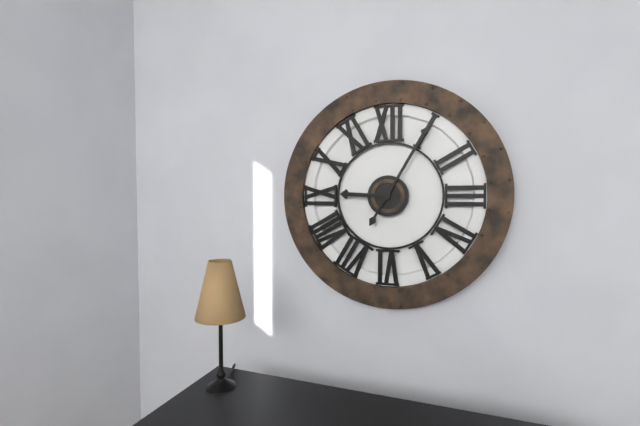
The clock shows 9:05
